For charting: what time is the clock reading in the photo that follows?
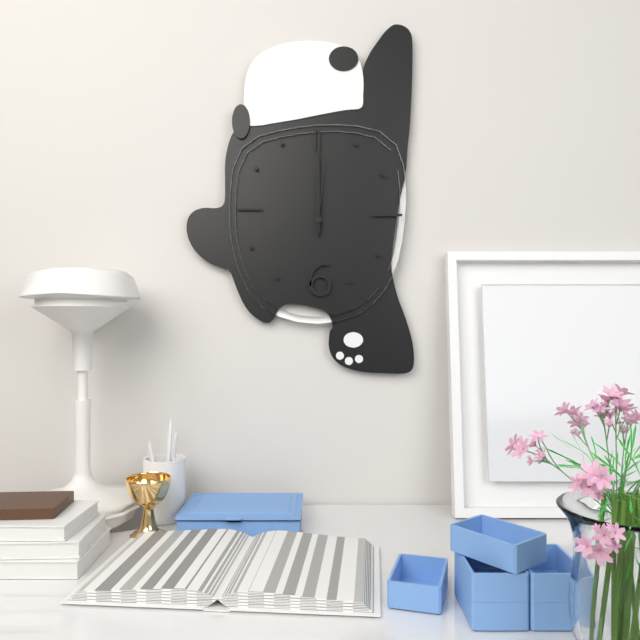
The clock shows 12:00:01
